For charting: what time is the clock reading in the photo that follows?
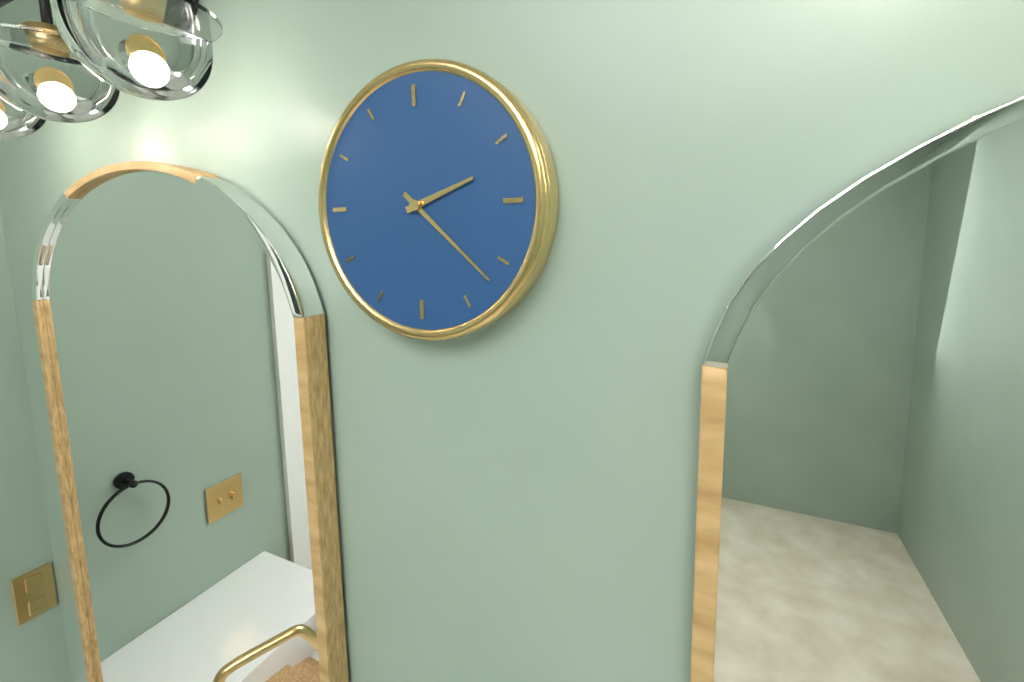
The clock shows 2:22
